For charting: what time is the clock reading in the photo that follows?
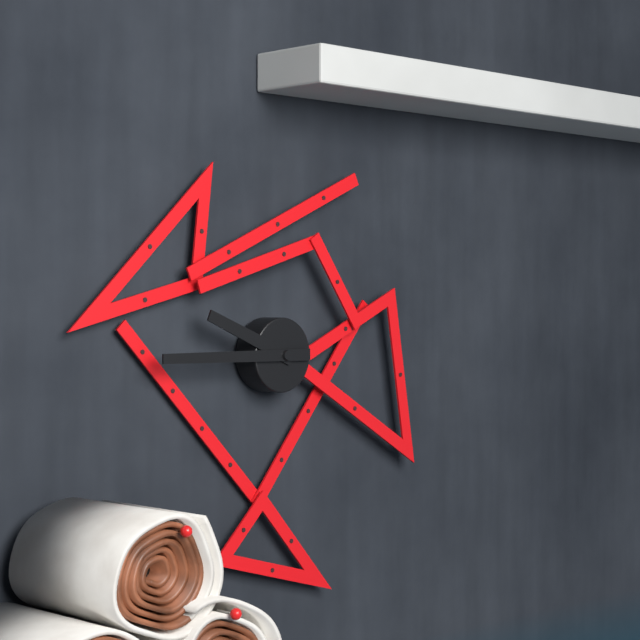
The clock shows 9:45
